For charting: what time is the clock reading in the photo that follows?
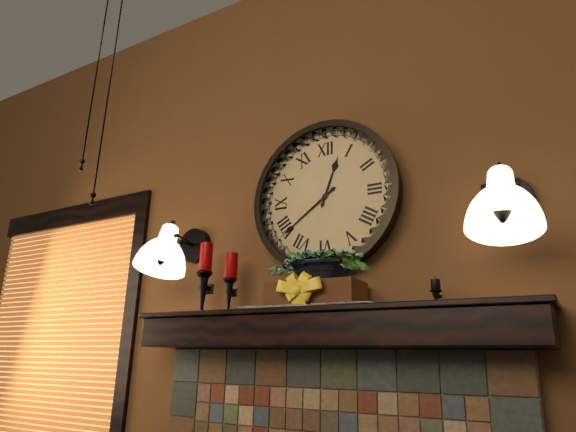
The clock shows 12:39
